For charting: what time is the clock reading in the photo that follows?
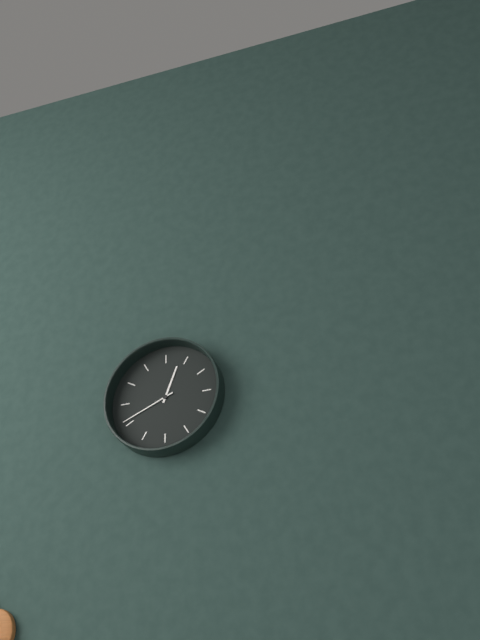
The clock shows 12:41
